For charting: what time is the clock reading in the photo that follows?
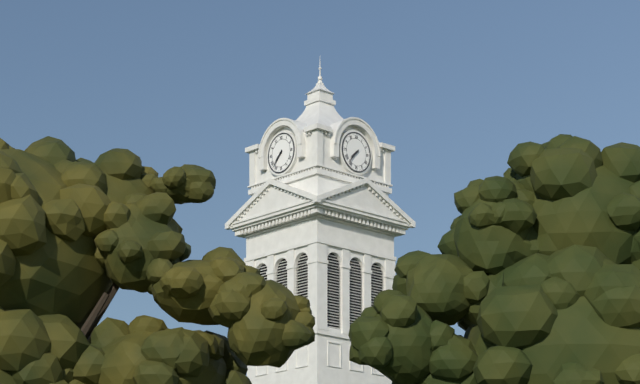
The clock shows 7:37
